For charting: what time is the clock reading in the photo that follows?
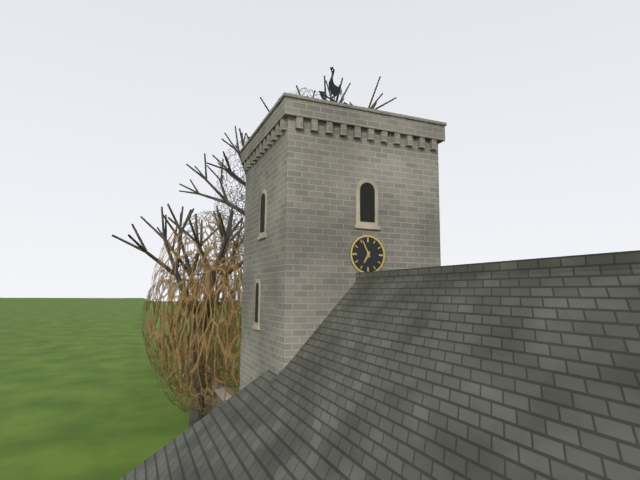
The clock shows 6:56
